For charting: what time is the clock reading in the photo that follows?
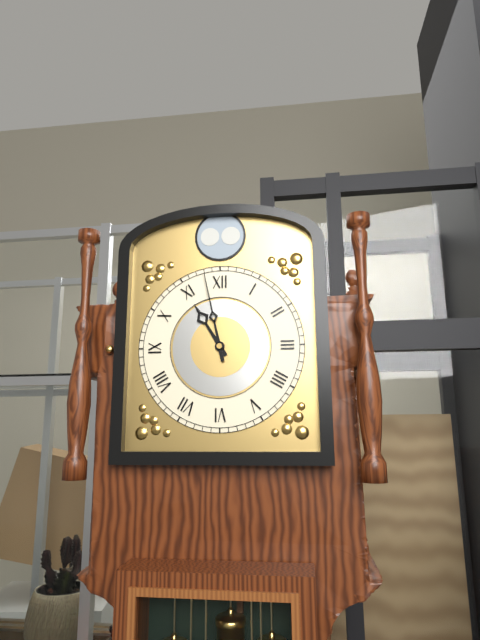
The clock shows 10:58
